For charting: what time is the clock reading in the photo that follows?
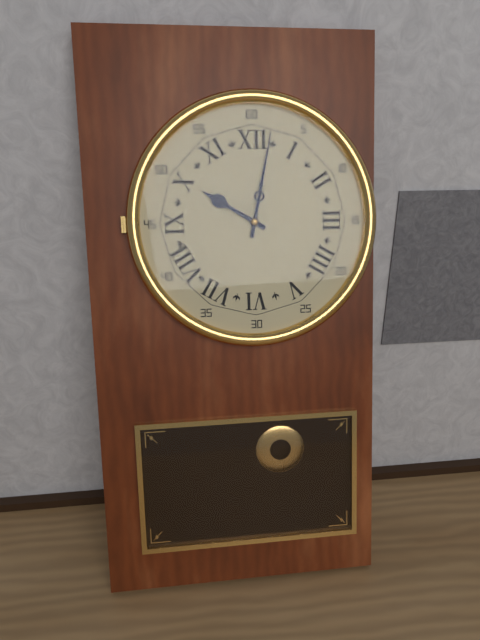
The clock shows 10:02
